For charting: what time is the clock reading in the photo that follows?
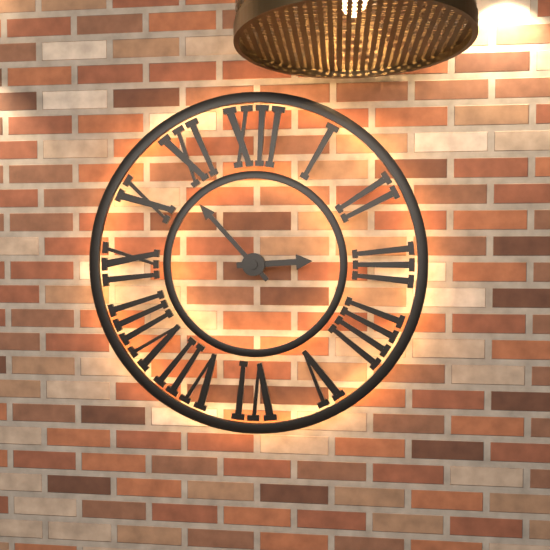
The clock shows 2:53
